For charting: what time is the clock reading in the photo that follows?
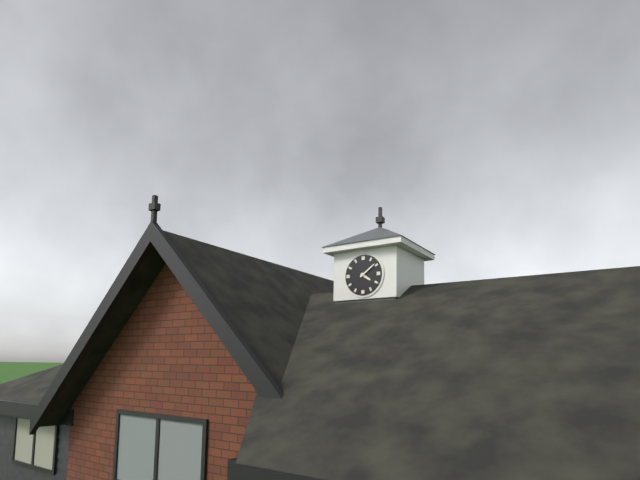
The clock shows 4:09
